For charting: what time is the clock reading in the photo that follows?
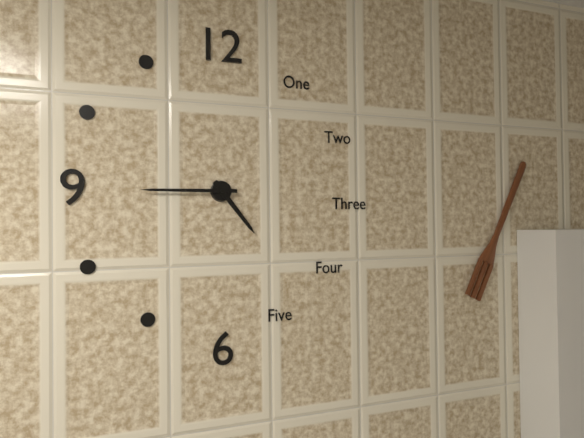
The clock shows 4:45
